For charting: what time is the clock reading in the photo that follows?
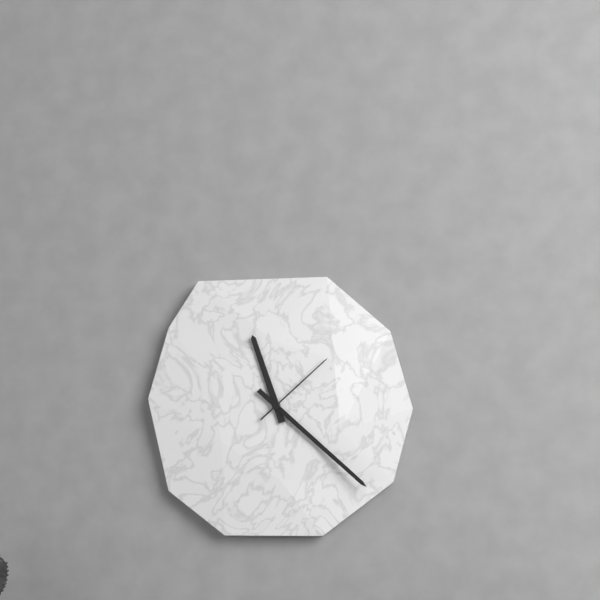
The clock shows 11:22:08
